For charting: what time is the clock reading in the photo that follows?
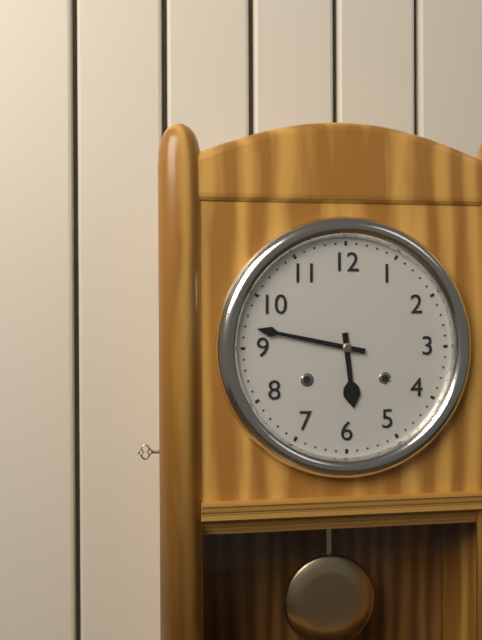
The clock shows 5:47
